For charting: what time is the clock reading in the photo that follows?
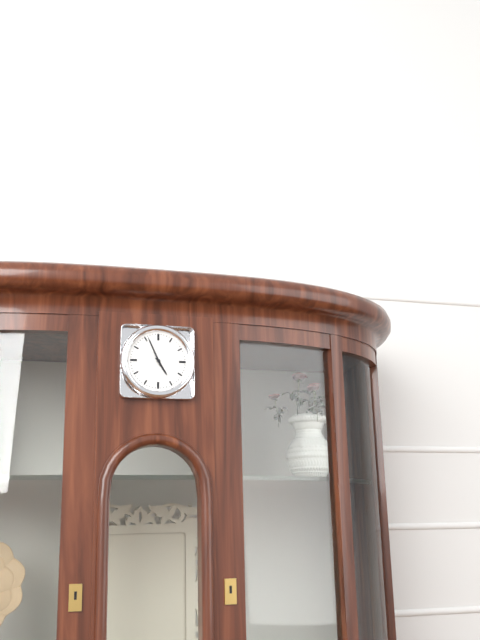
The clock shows 4:56
